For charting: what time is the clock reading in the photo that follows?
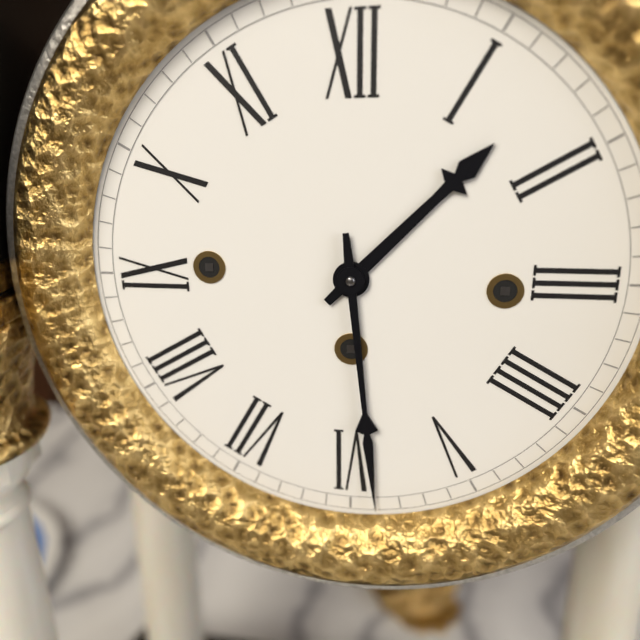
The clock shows 1:29
